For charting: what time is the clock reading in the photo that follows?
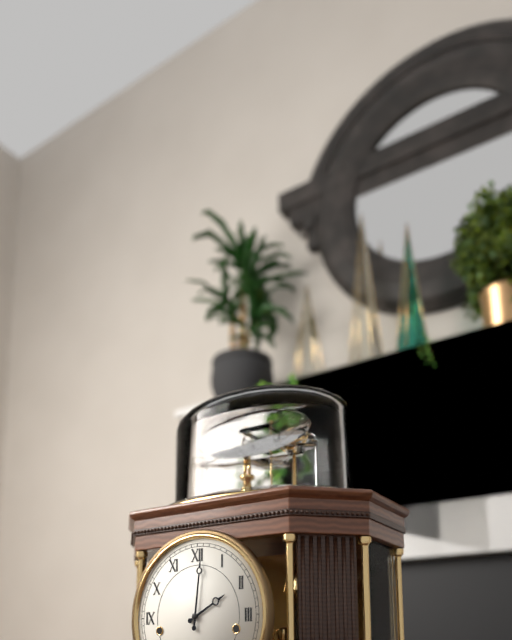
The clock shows 2:01
